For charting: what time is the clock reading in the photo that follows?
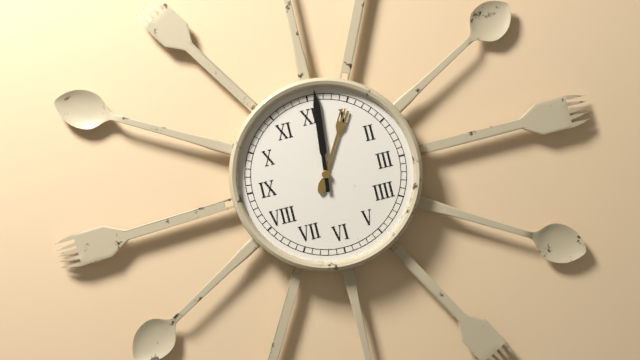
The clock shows 1:01
